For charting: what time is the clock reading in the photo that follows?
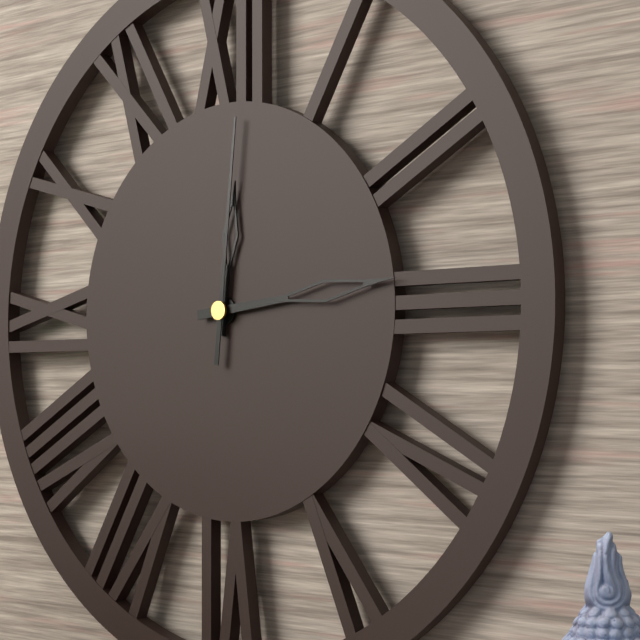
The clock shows 12:14:01
